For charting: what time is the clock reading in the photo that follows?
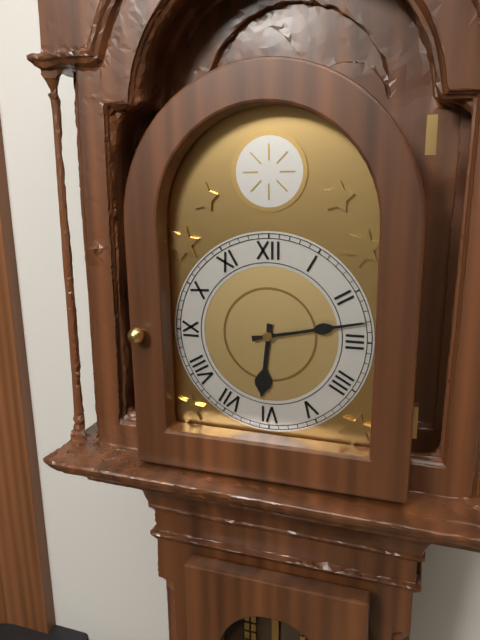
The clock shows 6:13
